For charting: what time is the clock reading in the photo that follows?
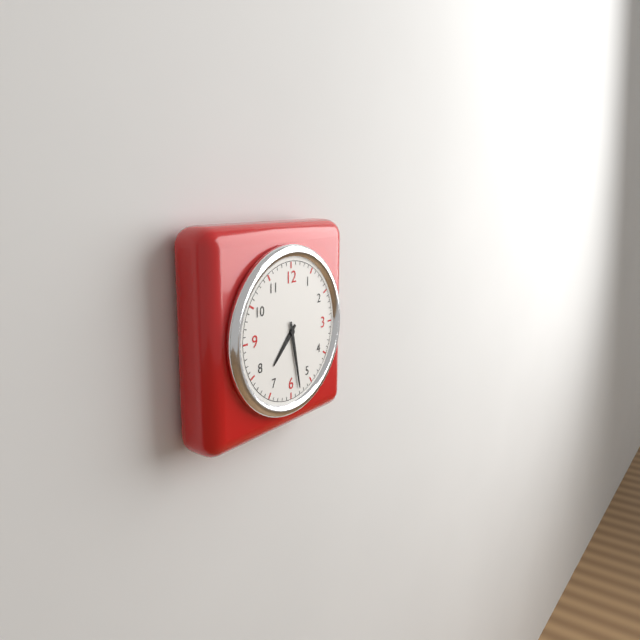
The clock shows 7:28
